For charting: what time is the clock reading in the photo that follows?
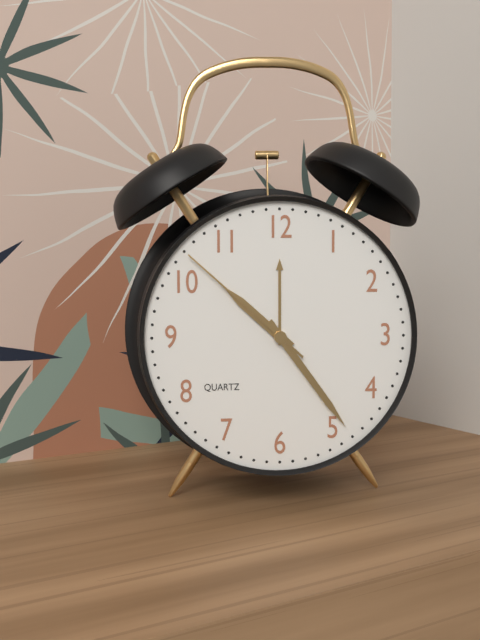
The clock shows 10:24:52
